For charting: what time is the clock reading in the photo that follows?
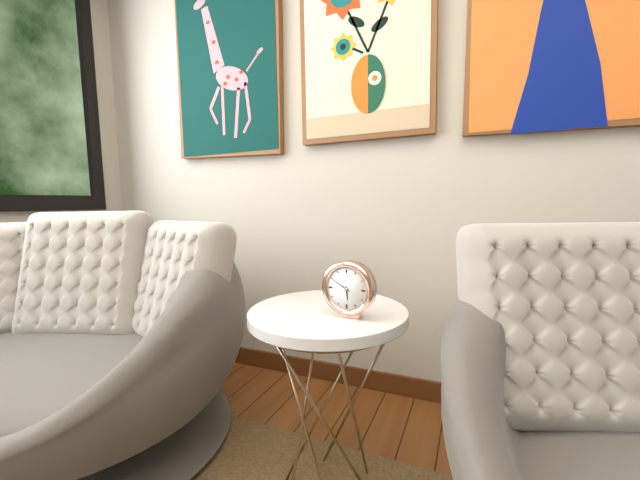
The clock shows 5:50
